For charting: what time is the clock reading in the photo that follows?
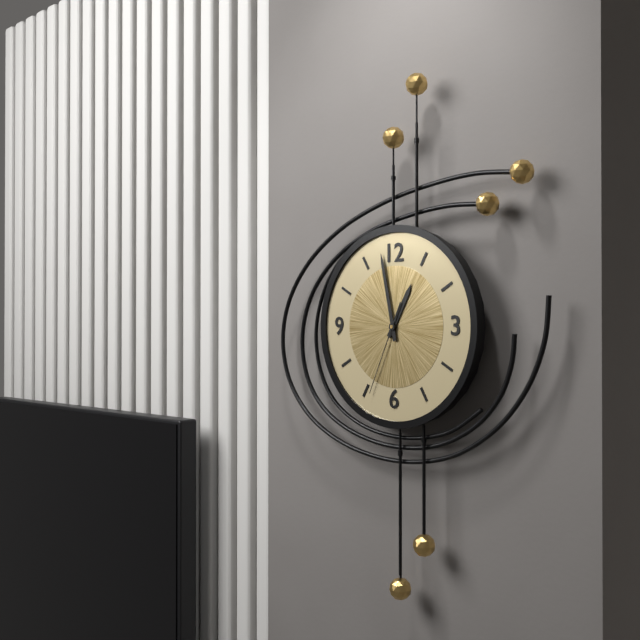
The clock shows 12:58:34
